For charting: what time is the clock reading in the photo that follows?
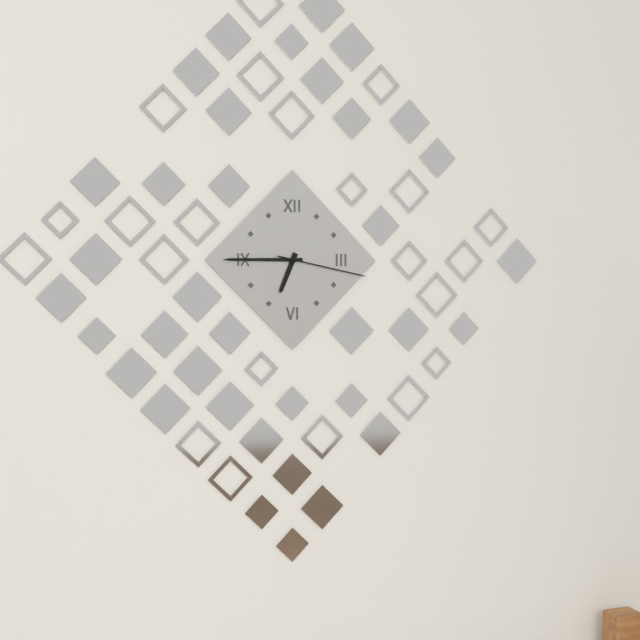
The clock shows 6:45:17
